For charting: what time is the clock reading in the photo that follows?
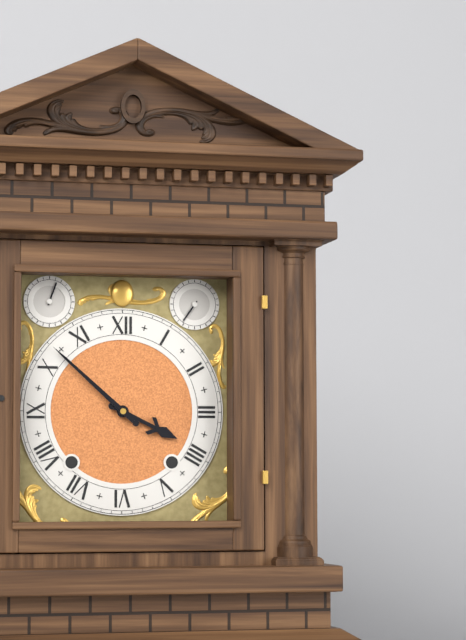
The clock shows 3:52
